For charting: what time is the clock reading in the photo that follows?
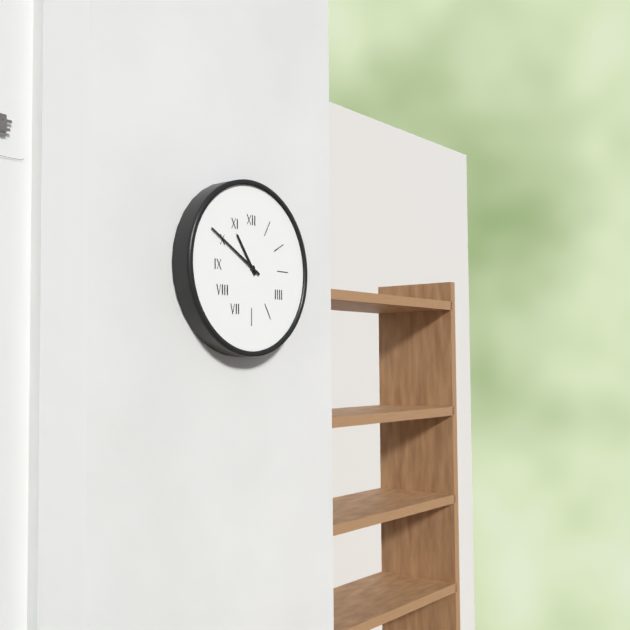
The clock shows 10:50
